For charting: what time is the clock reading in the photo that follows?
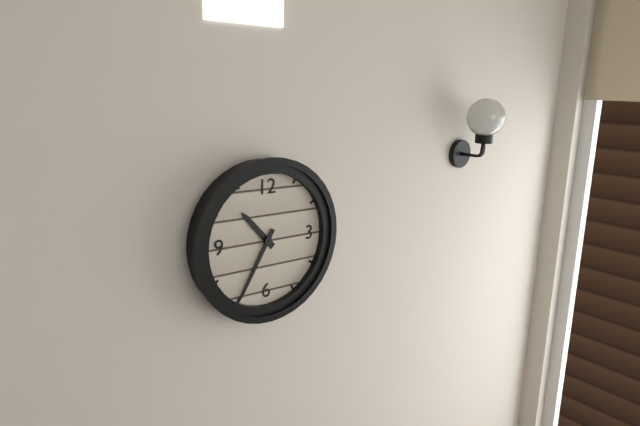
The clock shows 10:35
